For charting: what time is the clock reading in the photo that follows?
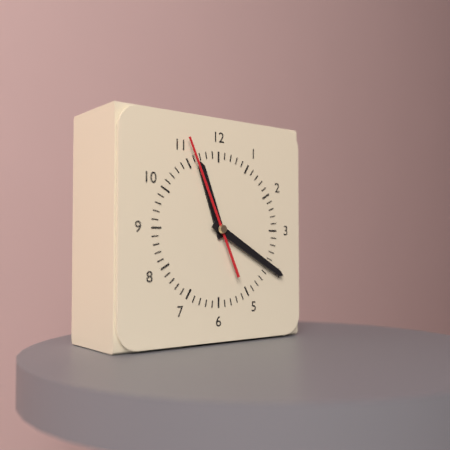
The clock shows 11:20:56
